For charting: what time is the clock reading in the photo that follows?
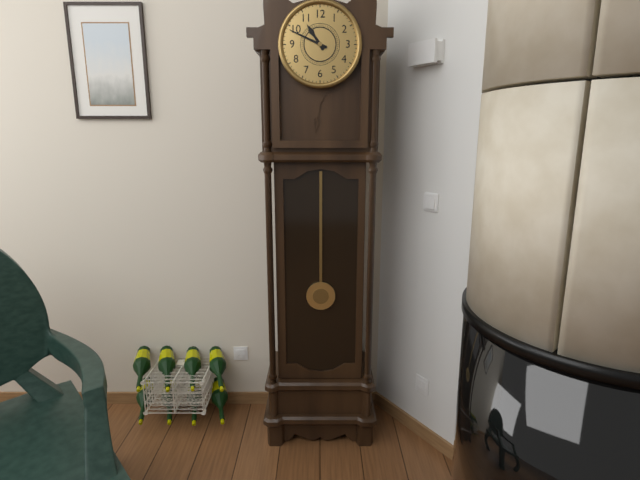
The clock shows 10:49
